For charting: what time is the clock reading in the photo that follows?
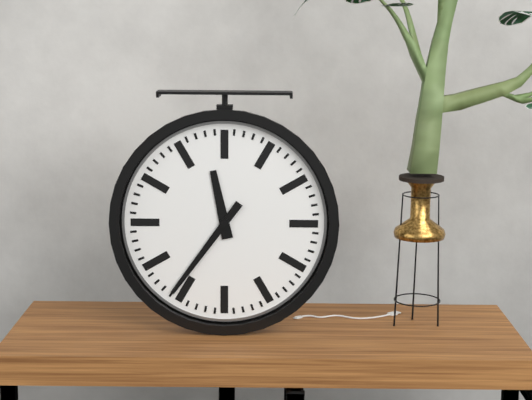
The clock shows 11:36
